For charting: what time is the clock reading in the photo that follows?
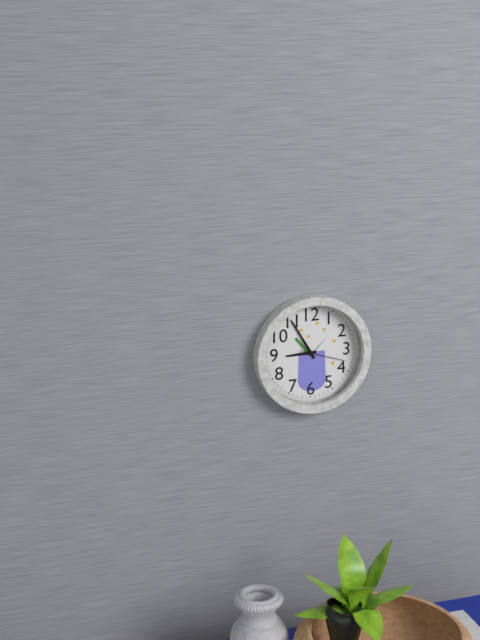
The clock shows 8:55
